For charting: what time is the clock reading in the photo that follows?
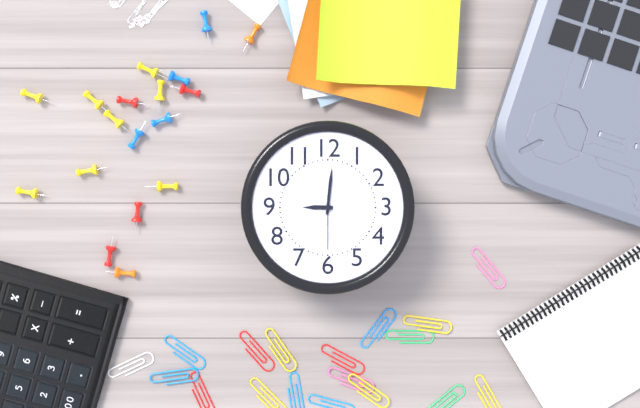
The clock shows 9:01:30
